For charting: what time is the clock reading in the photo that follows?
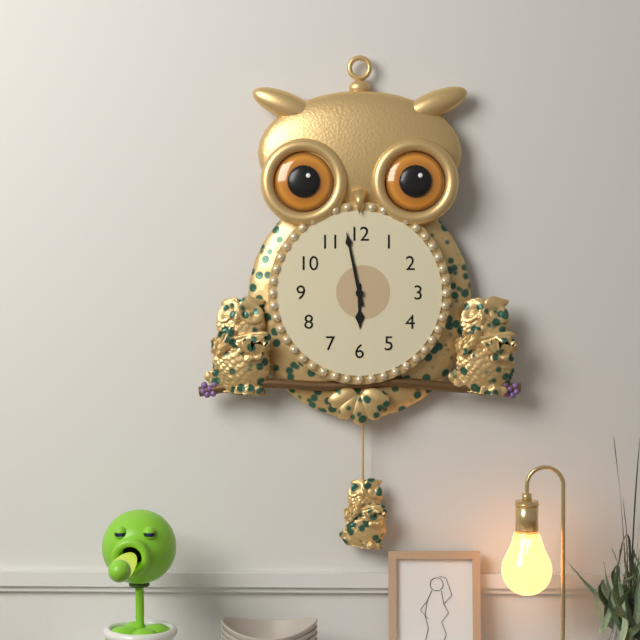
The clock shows 5:58
